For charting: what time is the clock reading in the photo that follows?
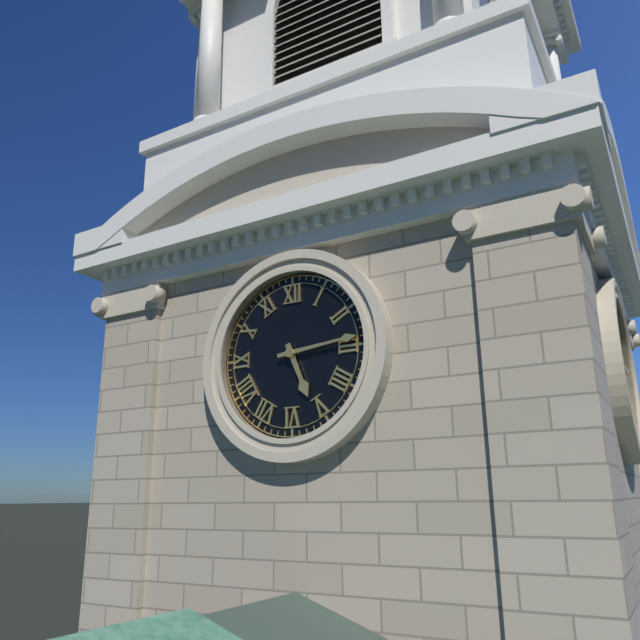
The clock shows 5:14
